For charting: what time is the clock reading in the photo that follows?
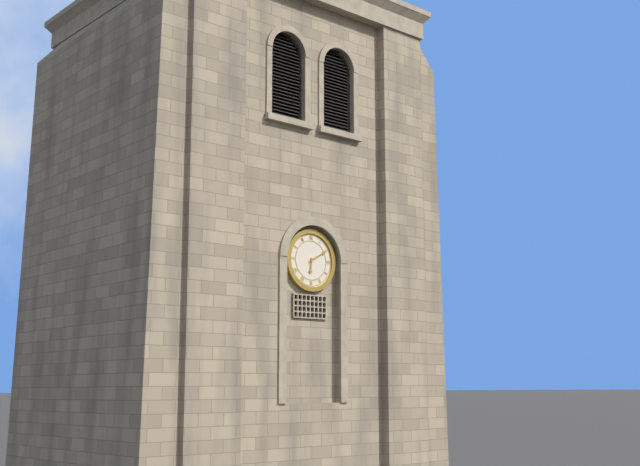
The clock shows 6:10
